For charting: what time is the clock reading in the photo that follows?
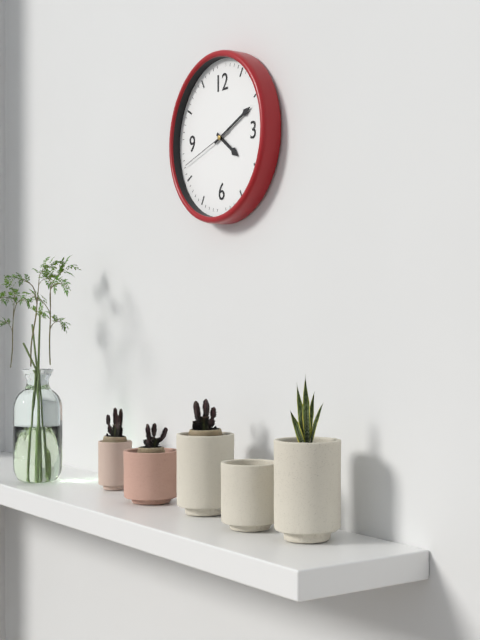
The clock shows 4:11:42
